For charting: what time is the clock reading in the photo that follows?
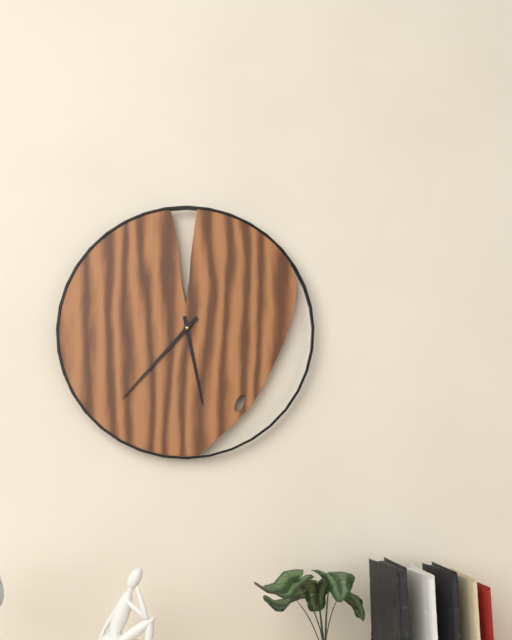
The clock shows 5:37
